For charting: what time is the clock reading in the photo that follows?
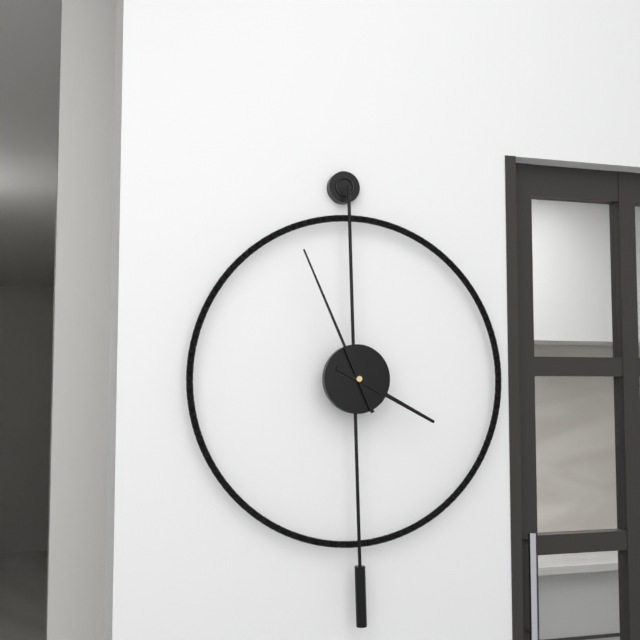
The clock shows 3:56
